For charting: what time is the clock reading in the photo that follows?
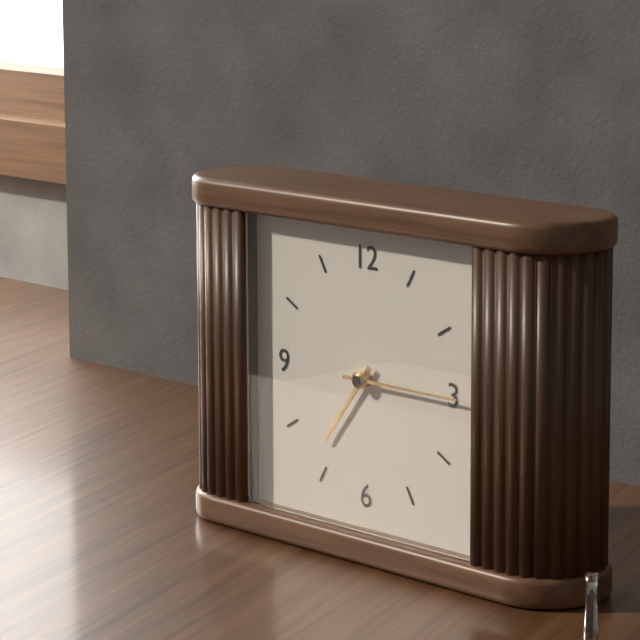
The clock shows 7:15
